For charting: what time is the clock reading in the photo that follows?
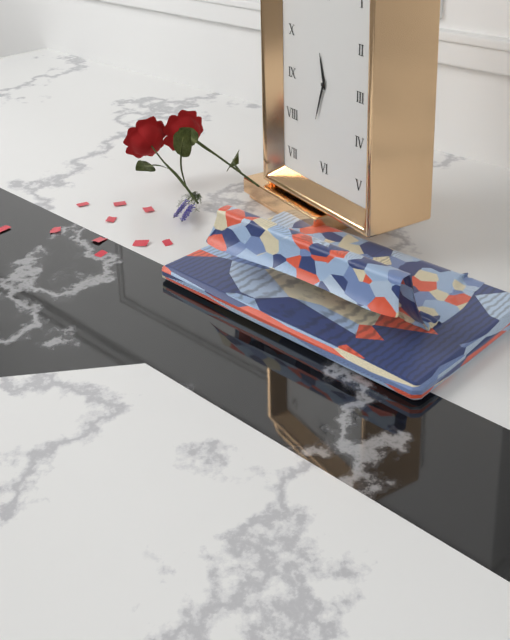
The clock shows 11:33
